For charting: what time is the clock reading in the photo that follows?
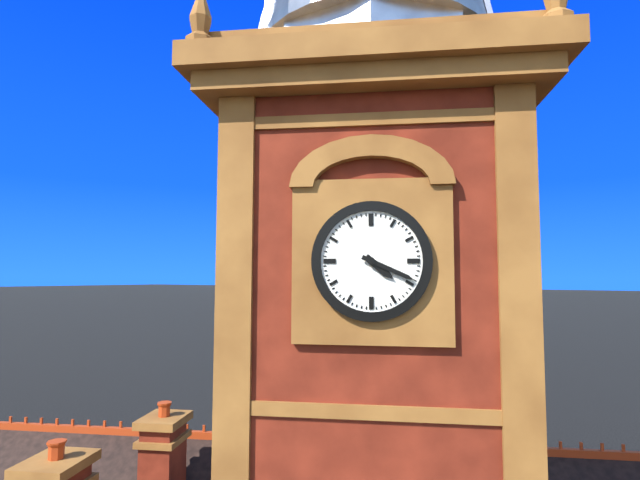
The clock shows 4:19
